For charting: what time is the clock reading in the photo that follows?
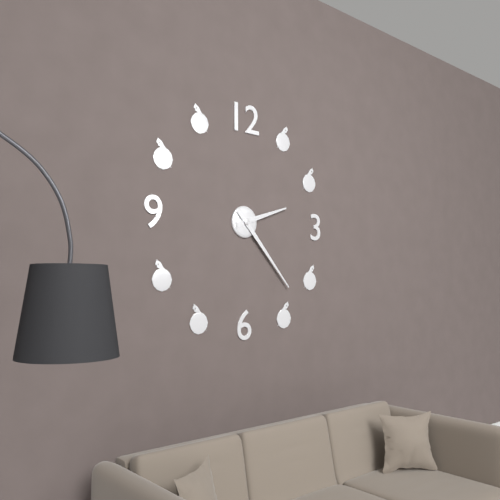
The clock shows 2:23
